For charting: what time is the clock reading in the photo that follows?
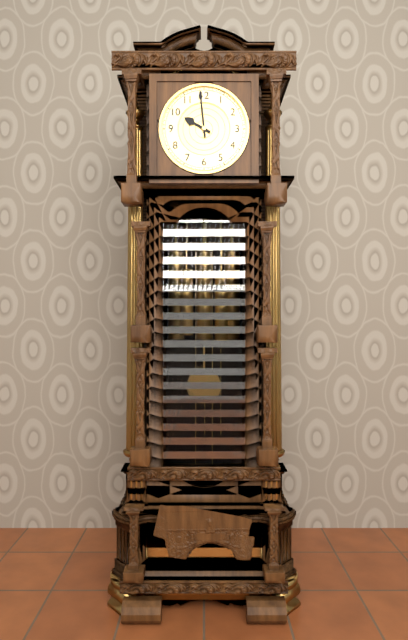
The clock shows 9:59
